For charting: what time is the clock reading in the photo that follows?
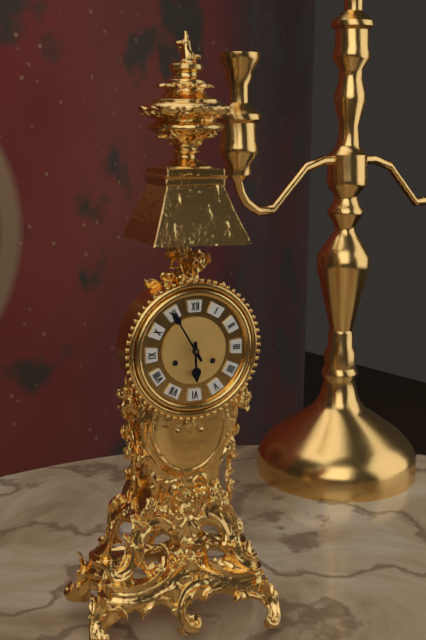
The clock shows 5:55
